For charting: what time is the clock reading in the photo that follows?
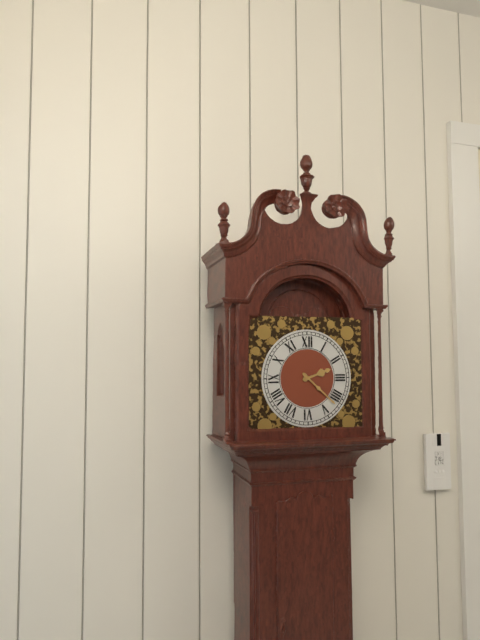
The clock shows 2:22
